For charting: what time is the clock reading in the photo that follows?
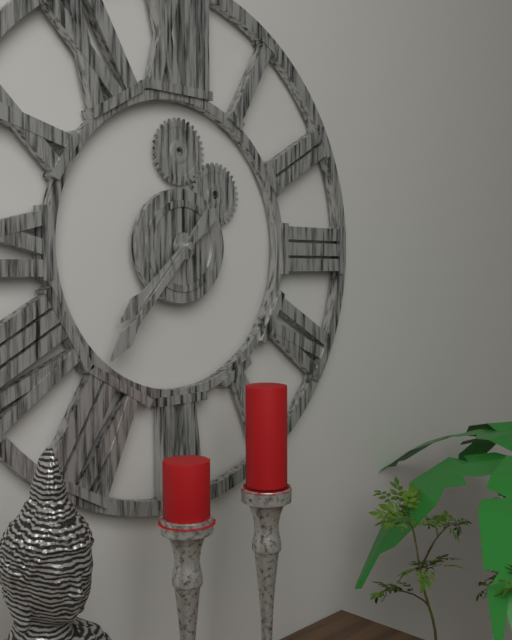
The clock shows 7:37
